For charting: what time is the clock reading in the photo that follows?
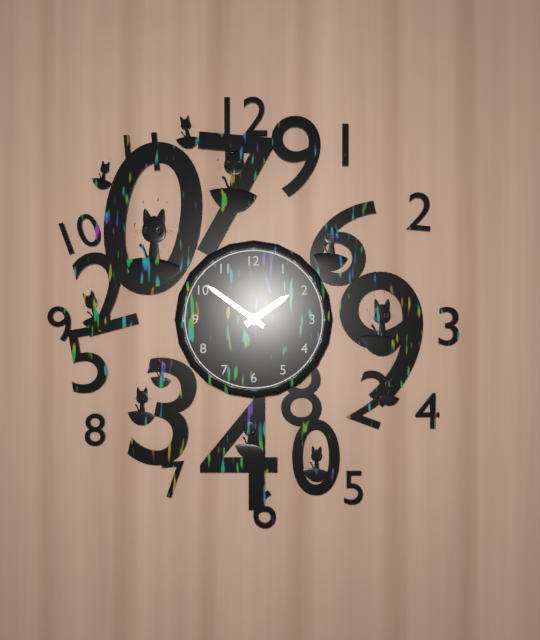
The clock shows 1:51
